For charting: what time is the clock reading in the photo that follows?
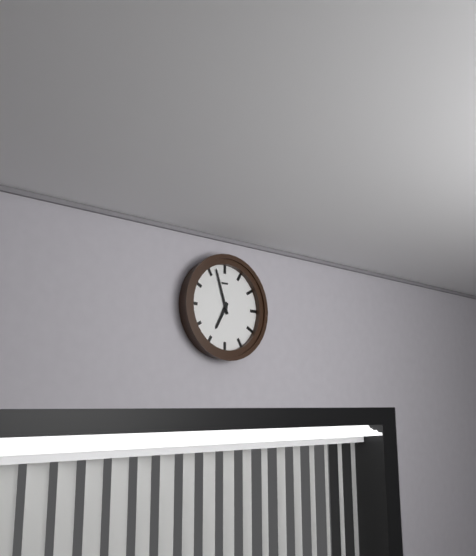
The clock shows 6:57
